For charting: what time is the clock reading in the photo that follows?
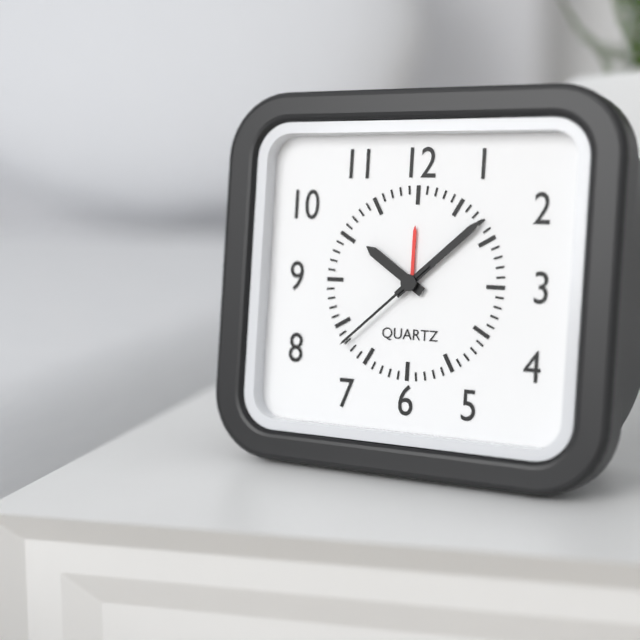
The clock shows 10:08:38
